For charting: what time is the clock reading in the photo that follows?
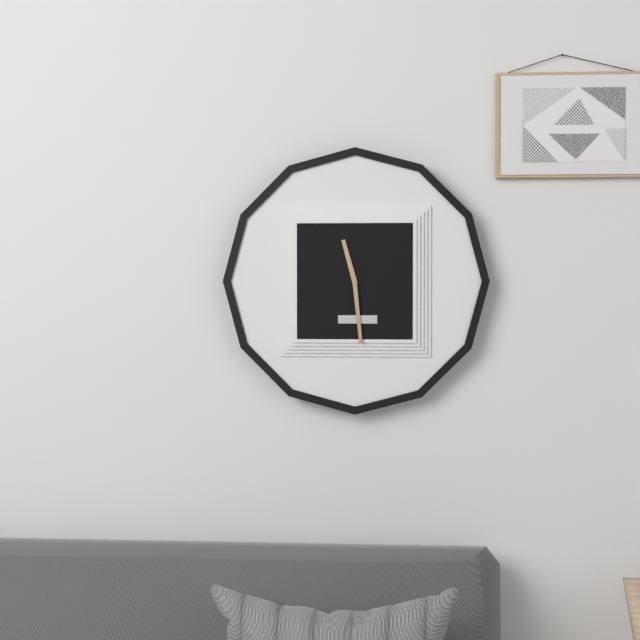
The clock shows 11:29
